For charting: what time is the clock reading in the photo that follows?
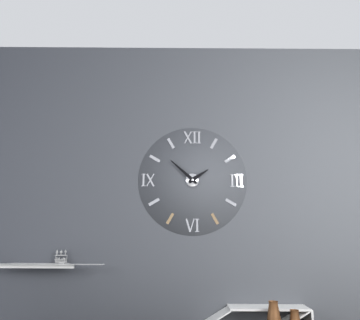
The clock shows 1:52
